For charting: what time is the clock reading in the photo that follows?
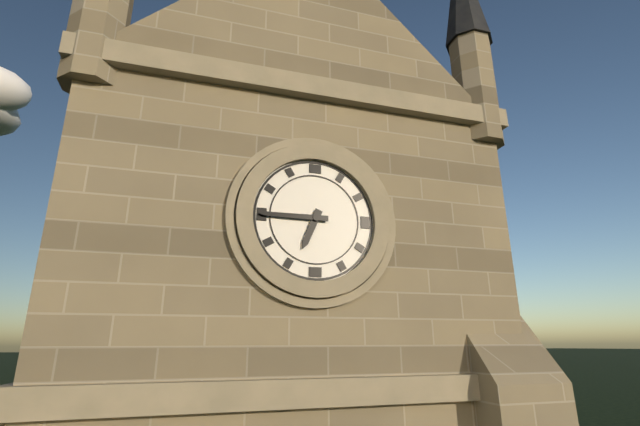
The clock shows 6:45
